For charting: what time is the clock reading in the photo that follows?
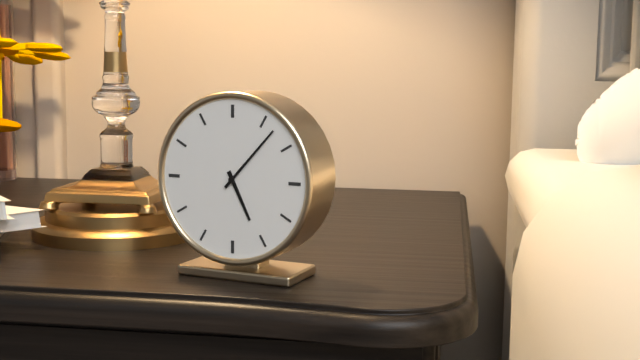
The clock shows 5:07
